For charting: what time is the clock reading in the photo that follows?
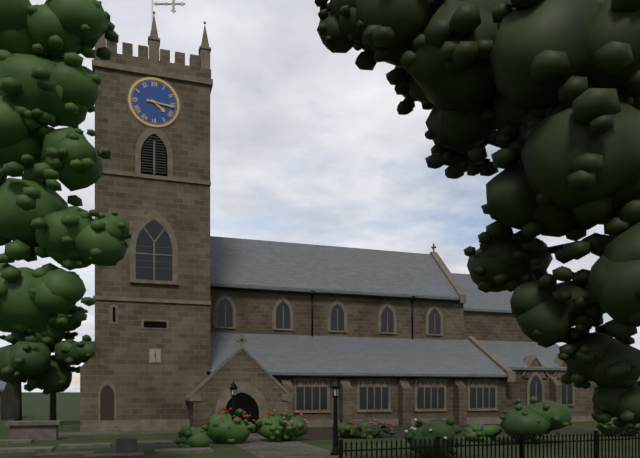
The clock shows 4:16
